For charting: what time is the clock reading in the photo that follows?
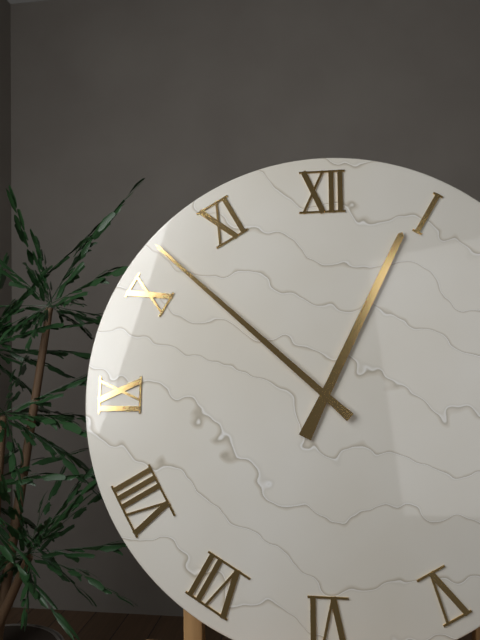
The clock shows 12:52
